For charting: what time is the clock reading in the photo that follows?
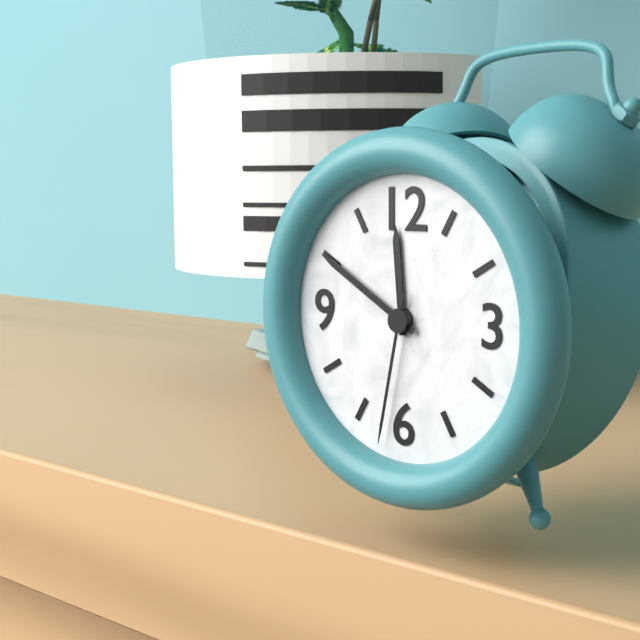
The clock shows 11:50:32
